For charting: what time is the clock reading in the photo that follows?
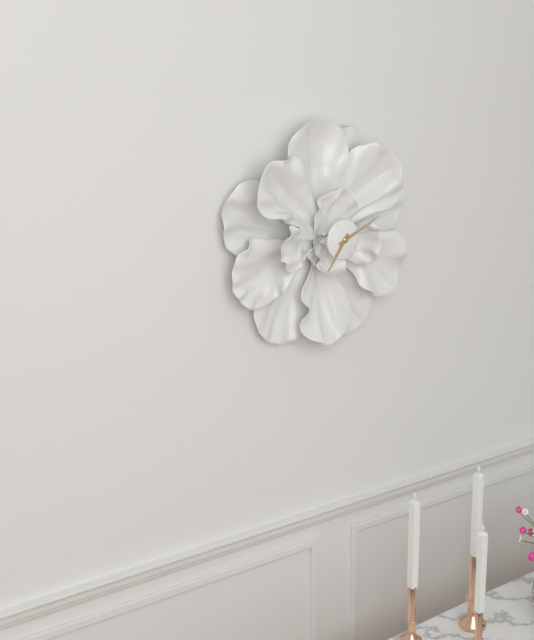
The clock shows 7:11
